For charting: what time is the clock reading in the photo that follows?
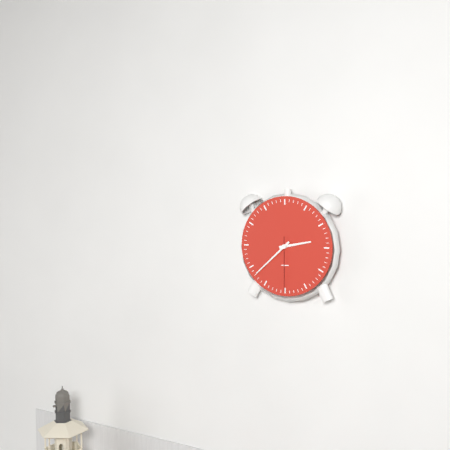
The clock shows 2:38:30
